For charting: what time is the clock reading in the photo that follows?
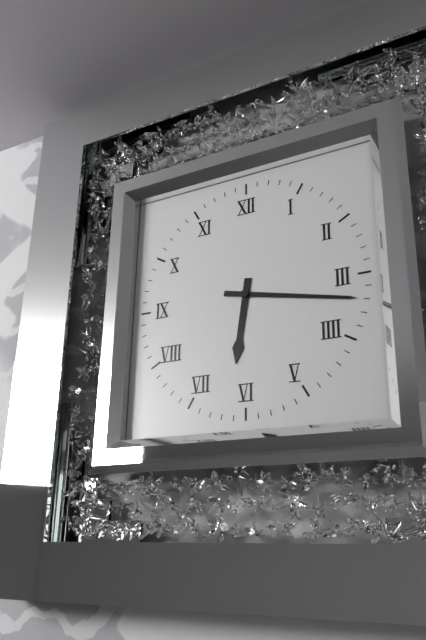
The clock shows 6:17
